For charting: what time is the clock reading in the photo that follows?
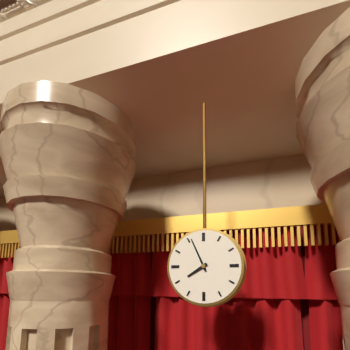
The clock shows 7:56
